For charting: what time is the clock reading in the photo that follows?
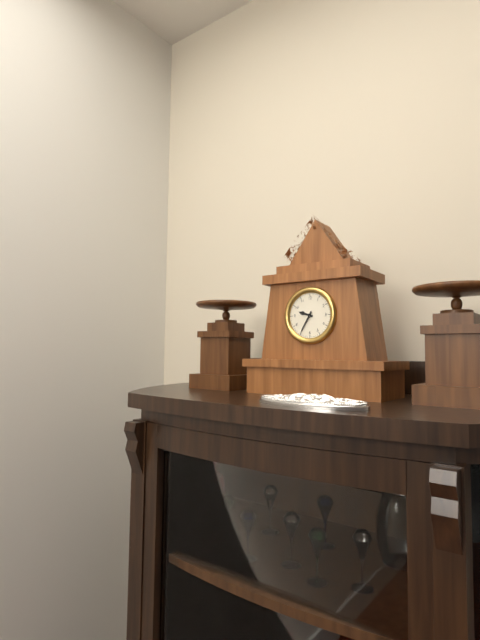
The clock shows 9:35
